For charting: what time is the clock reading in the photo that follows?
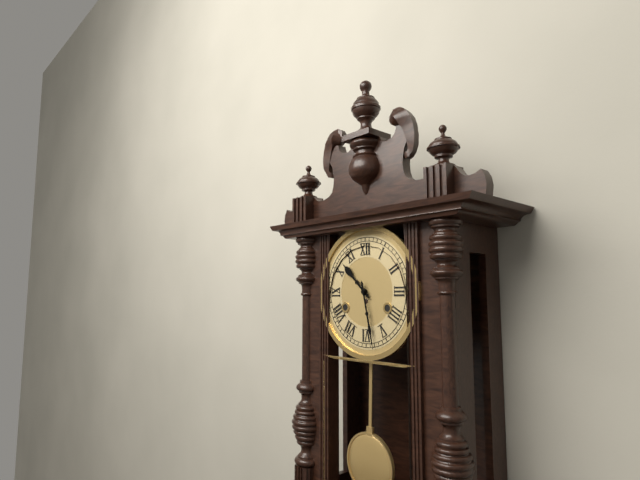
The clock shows 10:28
